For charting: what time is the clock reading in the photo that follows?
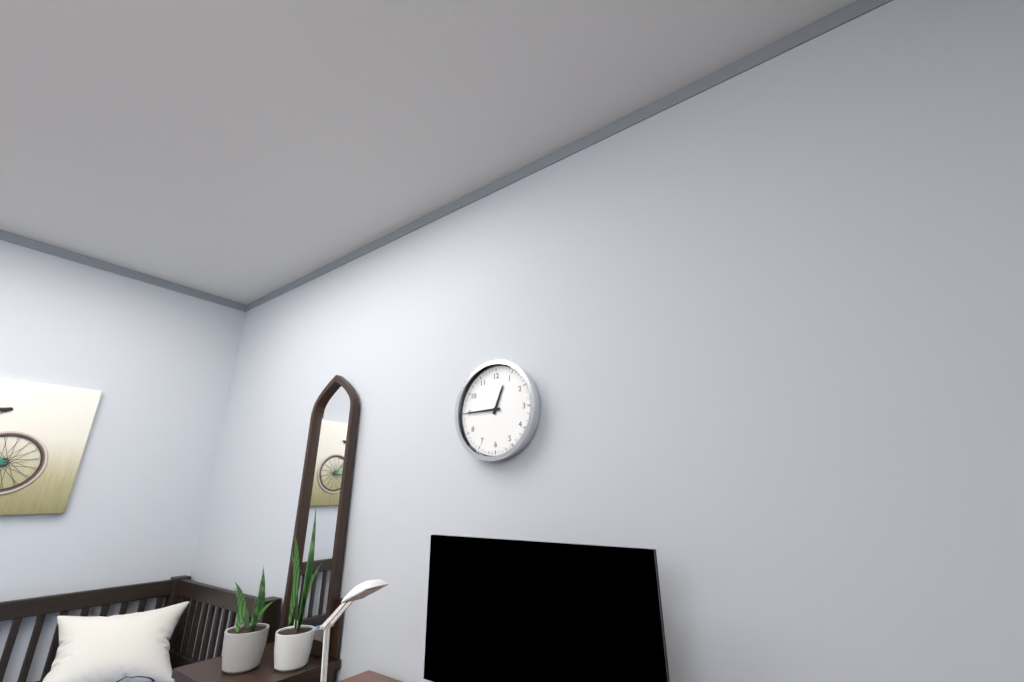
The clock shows 12:45
